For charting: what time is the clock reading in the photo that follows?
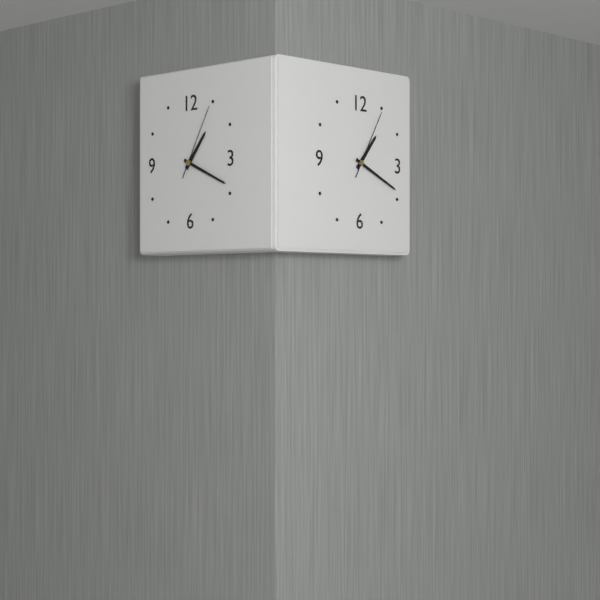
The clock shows 1:19:05
